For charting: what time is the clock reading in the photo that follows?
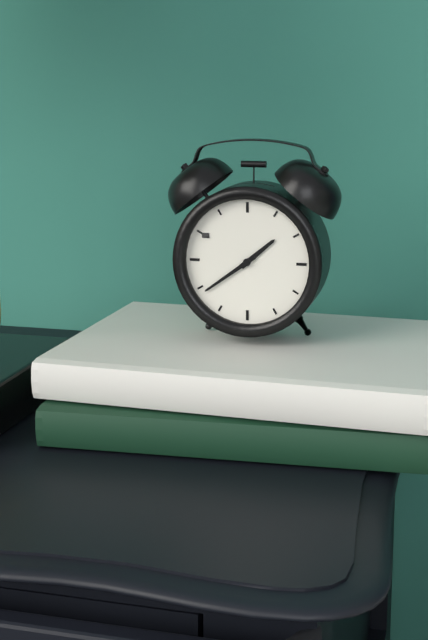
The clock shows 1:39
